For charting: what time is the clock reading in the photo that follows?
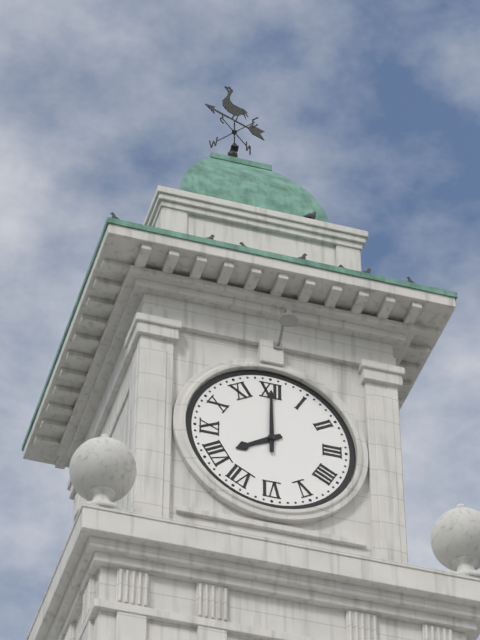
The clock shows 8:00
